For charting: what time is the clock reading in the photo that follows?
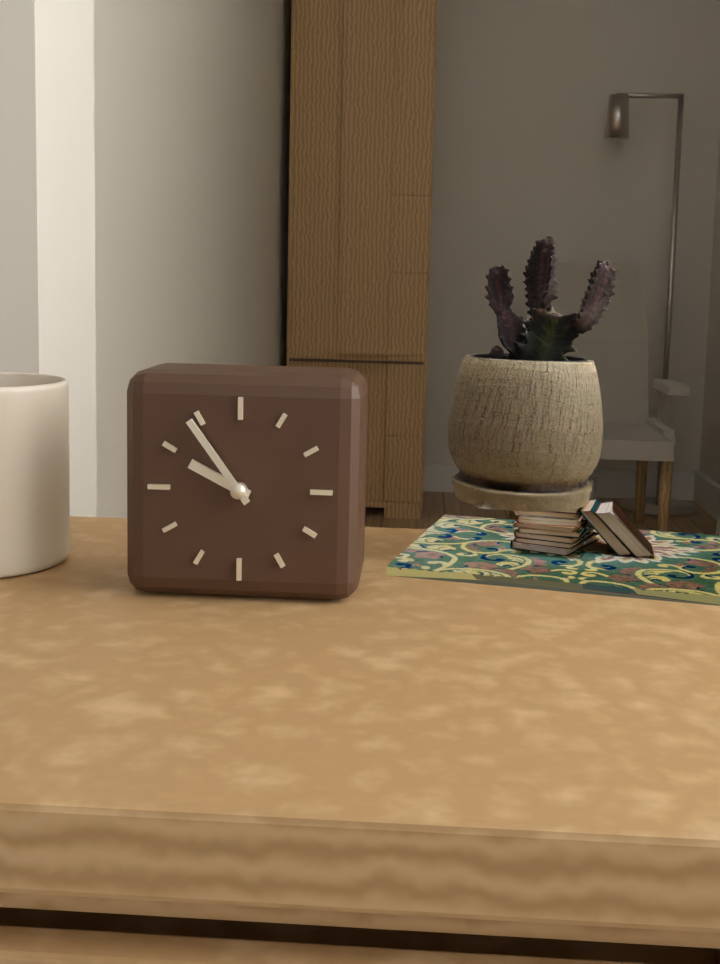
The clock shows 9:54
